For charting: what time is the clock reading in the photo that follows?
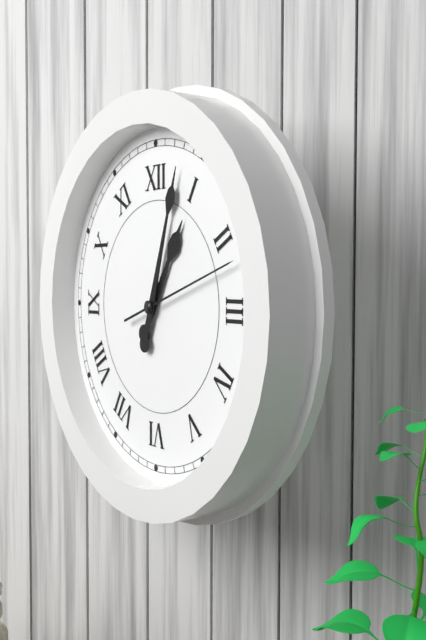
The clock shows 1:03:12
